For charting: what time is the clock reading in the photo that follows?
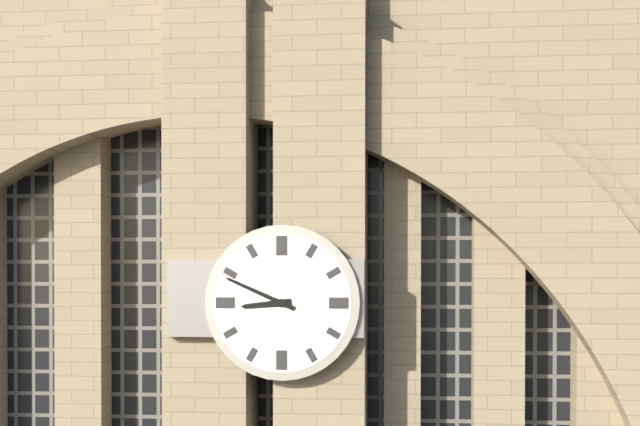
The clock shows 8:49
